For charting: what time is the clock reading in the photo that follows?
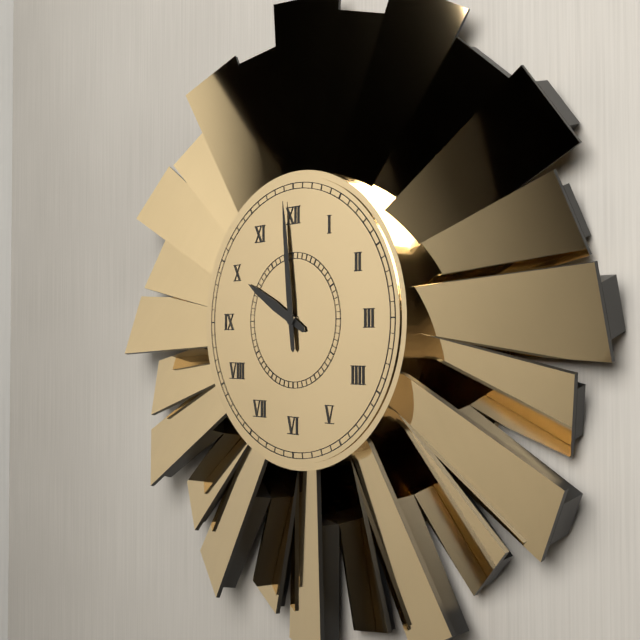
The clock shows 9:59
